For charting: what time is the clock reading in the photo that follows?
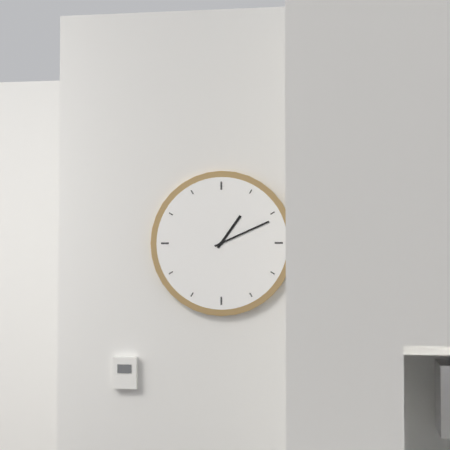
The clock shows 1:11
